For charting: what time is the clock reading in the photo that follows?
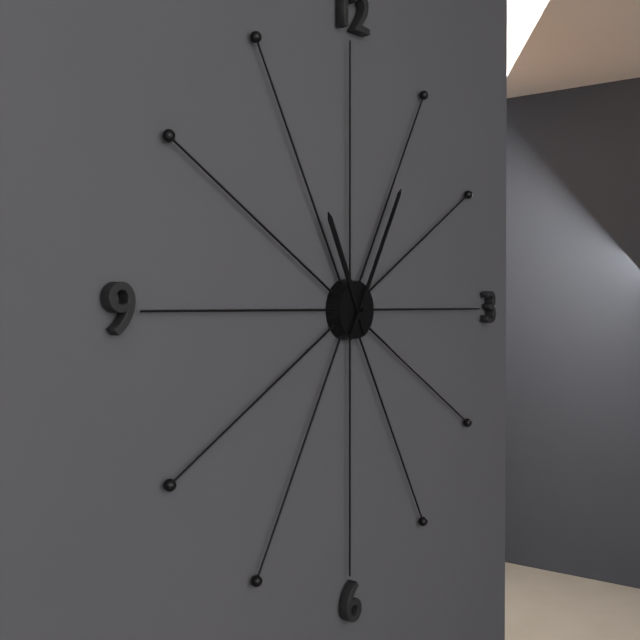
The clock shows 11:05
